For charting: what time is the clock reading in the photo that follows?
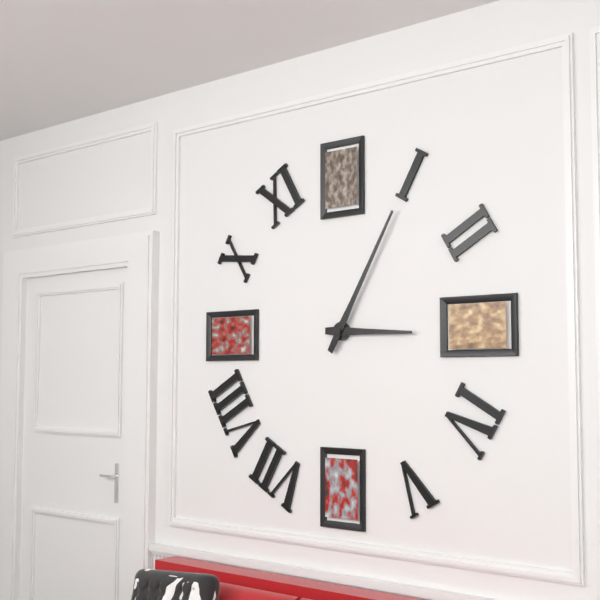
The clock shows 3:05
